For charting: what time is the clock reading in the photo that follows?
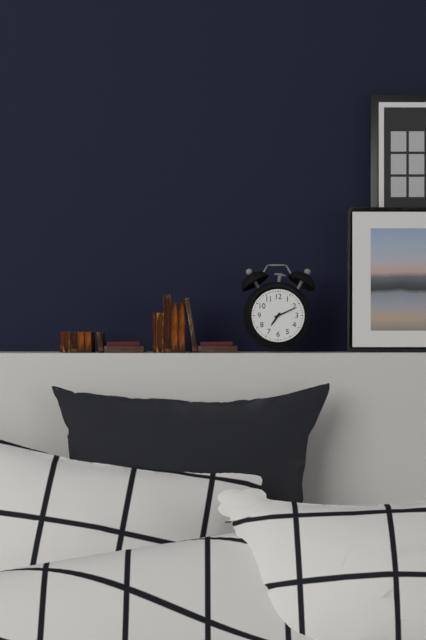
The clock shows 7:11
